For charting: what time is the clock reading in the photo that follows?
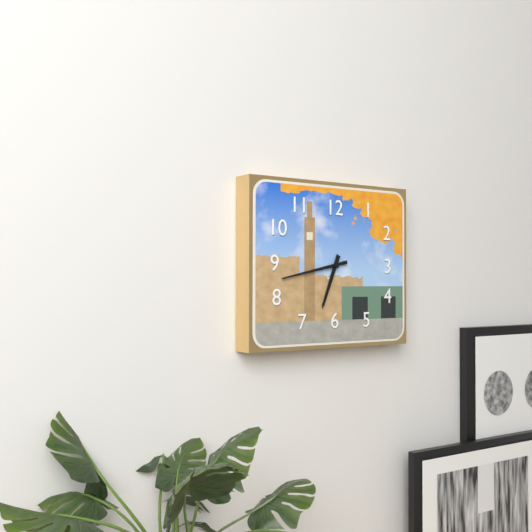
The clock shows 6:43
